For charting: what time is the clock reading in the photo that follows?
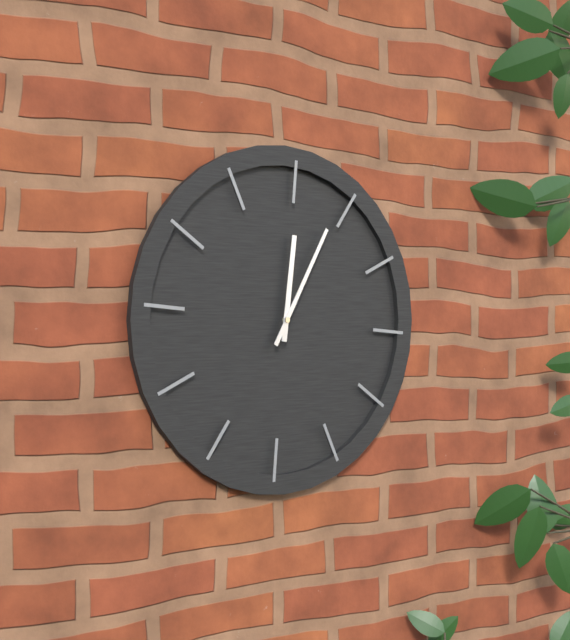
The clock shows 12:04
